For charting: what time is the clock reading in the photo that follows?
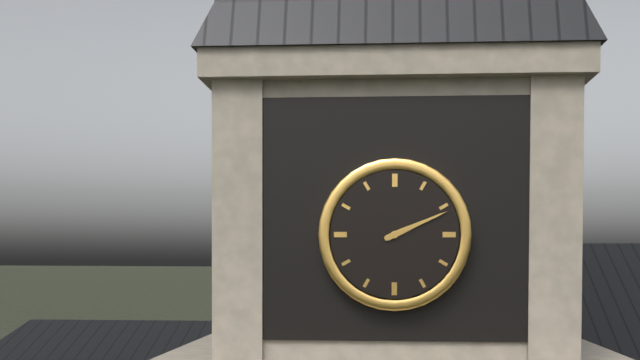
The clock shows 2:11
